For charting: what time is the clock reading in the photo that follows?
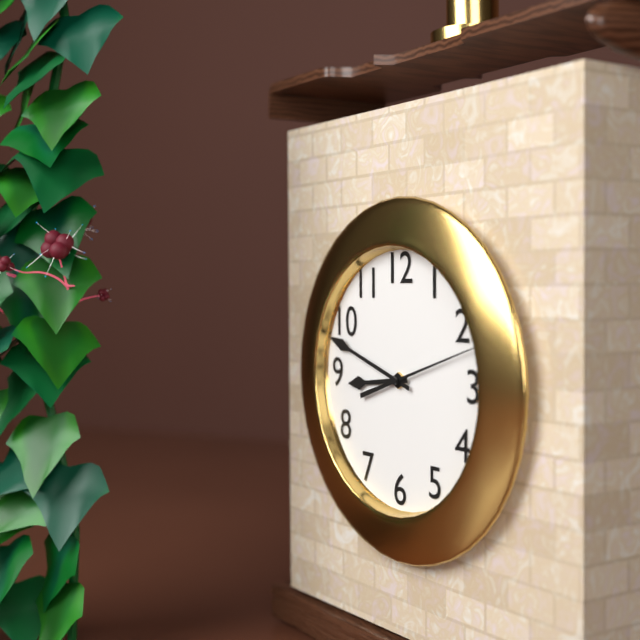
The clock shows 8:48:12
